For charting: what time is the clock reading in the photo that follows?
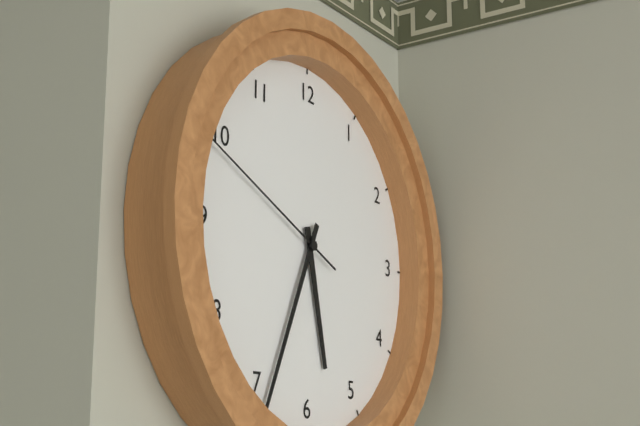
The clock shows 5:34:49
